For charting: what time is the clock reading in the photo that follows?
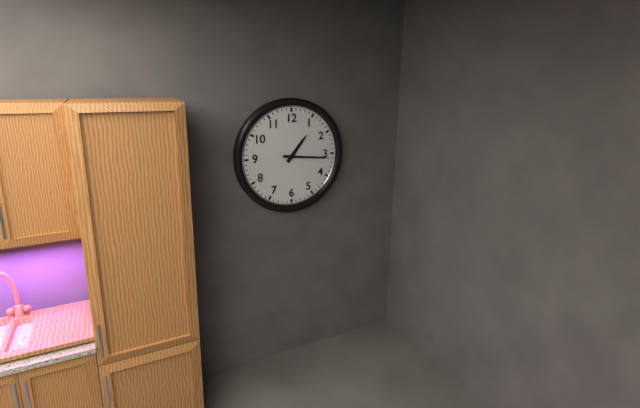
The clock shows 1:16
